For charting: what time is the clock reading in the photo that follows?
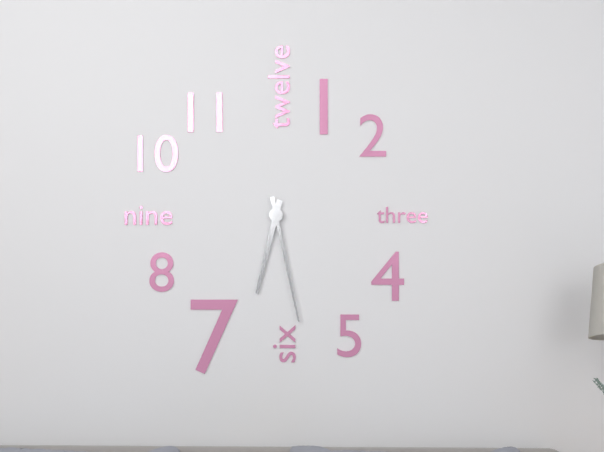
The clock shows 6:28
